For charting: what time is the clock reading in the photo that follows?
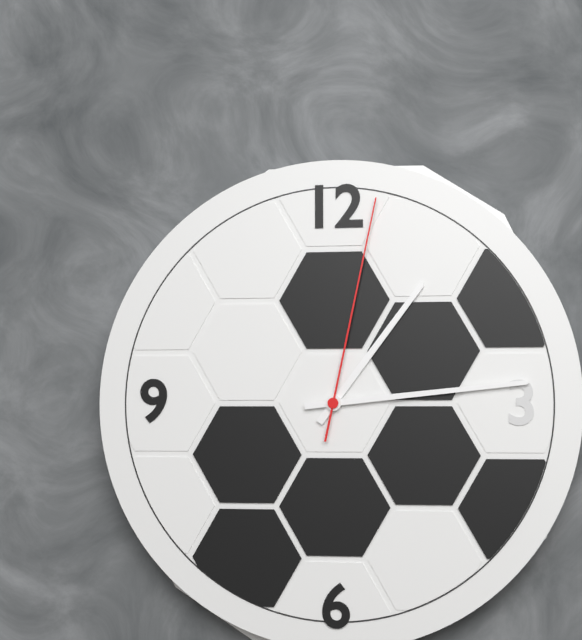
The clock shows 1:14:02
